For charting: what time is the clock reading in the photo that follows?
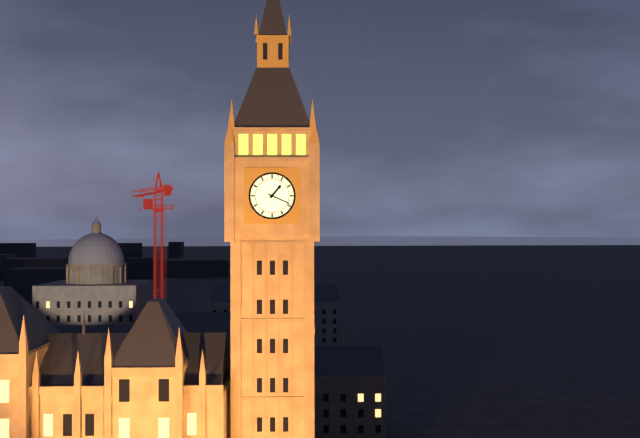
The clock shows 1:19
